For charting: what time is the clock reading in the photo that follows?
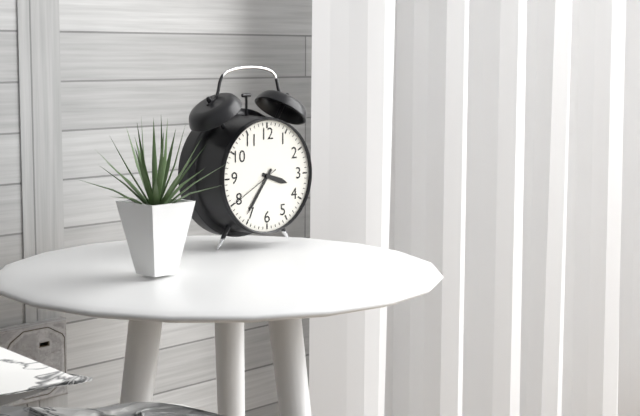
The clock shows 3:36:40
